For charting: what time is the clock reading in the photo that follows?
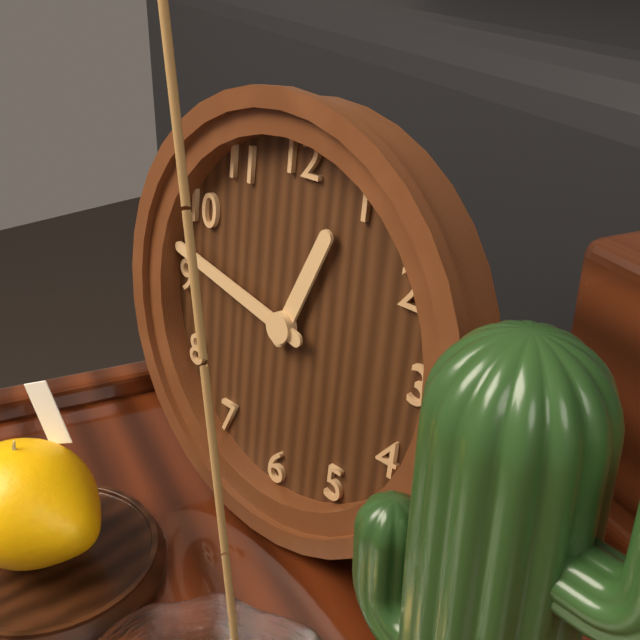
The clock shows 12:47
